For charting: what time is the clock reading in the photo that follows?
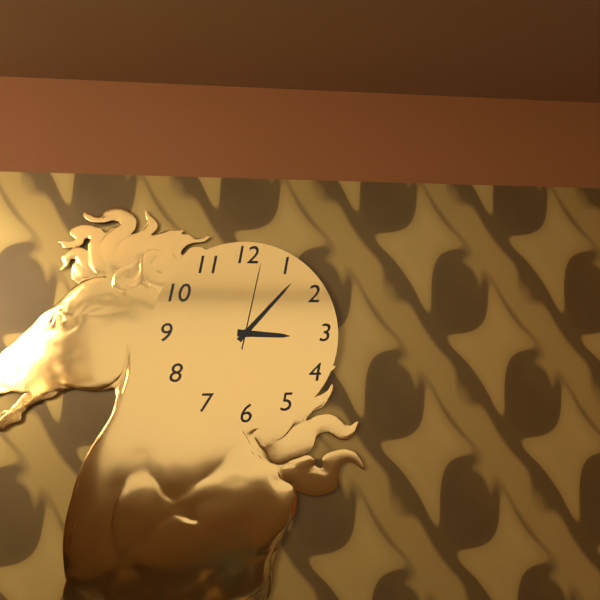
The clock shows 3:07:02
